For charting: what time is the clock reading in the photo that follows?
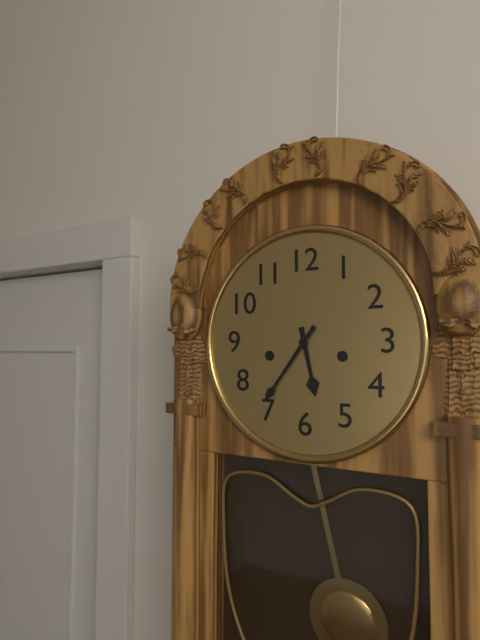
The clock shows 5:36
